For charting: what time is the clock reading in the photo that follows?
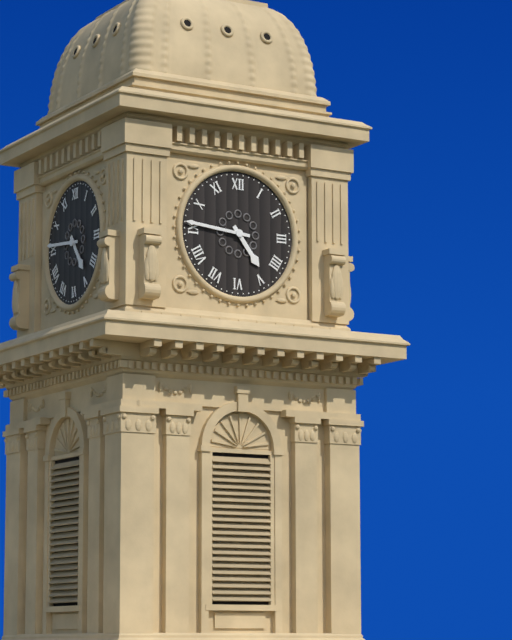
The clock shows 4:46
